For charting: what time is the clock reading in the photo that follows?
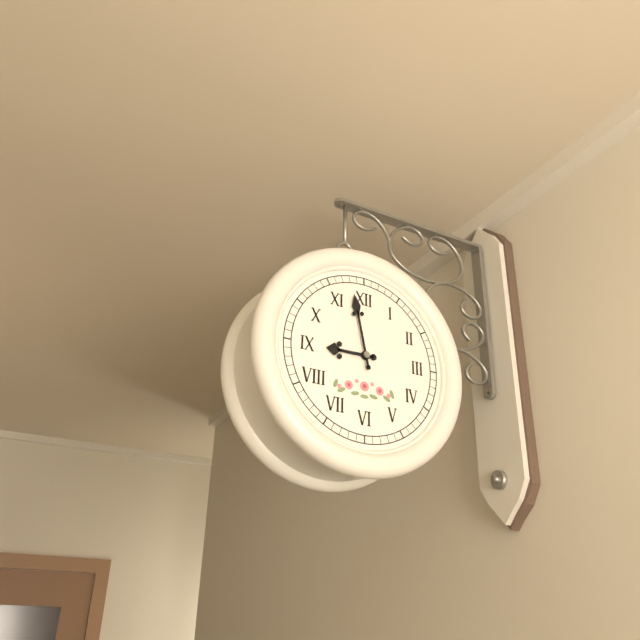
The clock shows 8:58
